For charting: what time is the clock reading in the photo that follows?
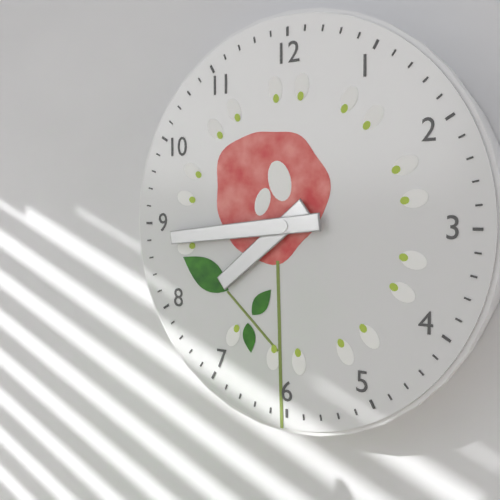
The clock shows 7:44
